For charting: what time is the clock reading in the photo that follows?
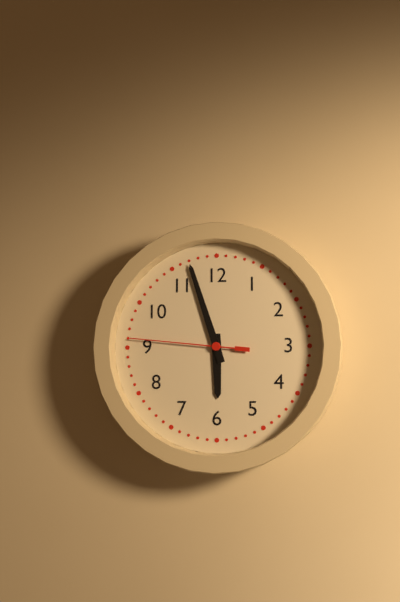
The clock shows 5:57:46
